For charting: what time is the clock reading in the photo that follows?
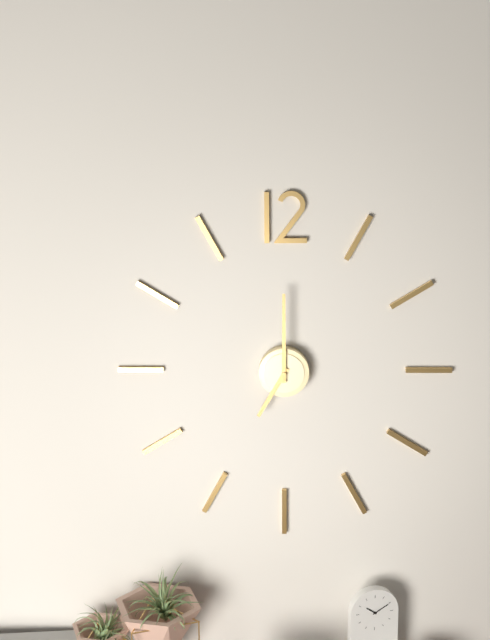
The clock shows 7:00
